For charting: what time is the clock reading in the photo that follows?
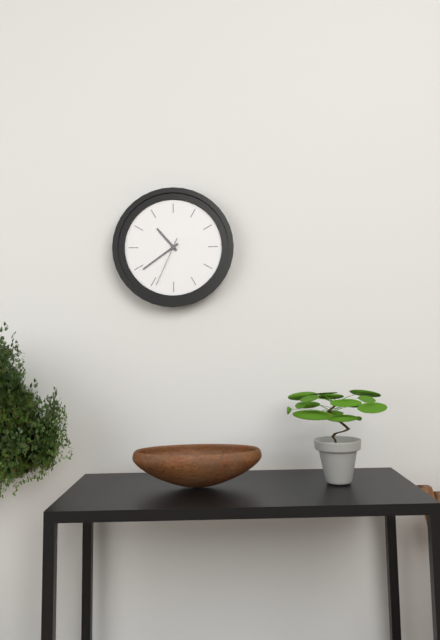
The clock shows 10:39:34
